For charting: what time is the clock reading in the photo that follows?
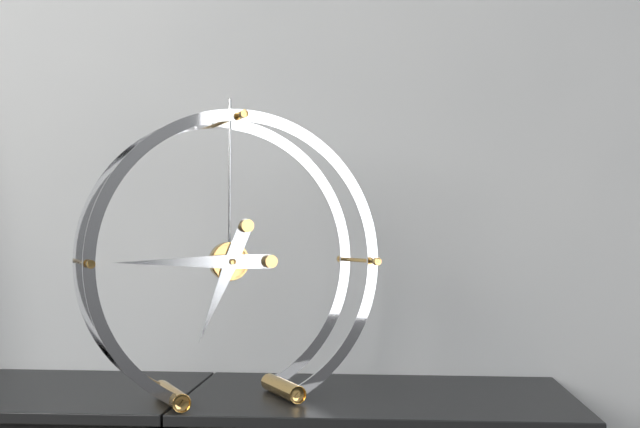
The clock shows 6:45
